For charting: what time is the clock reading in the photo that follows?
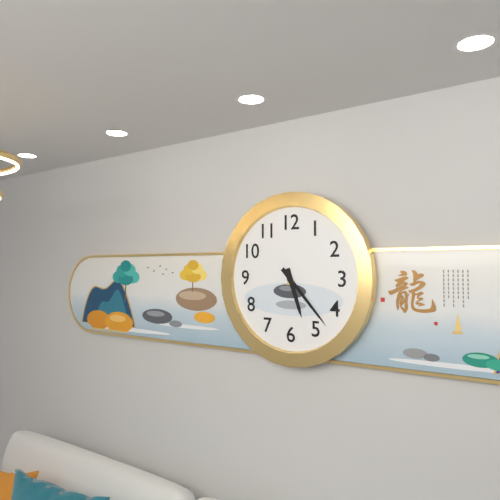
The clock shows 5:23
